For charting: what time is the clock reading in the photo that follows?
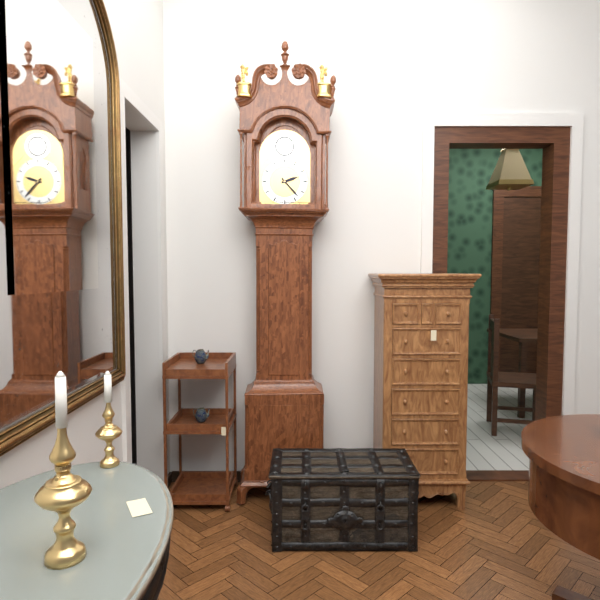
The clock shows 2:23
